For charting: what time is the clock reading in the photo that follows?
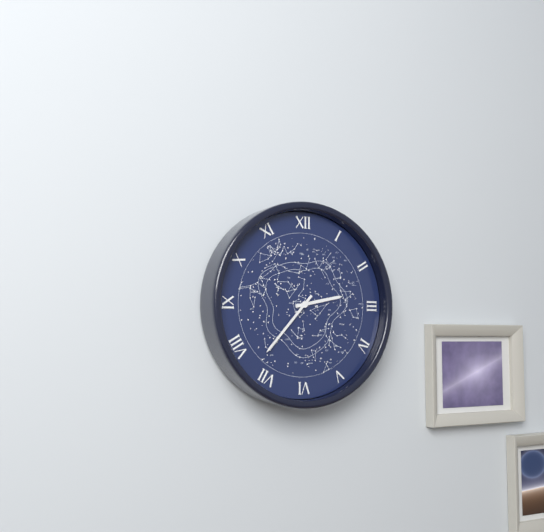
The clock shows 2:37
